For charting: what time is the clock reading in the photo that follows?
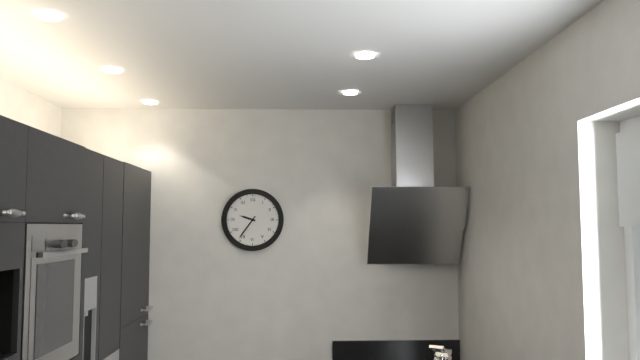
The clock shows 9:36
